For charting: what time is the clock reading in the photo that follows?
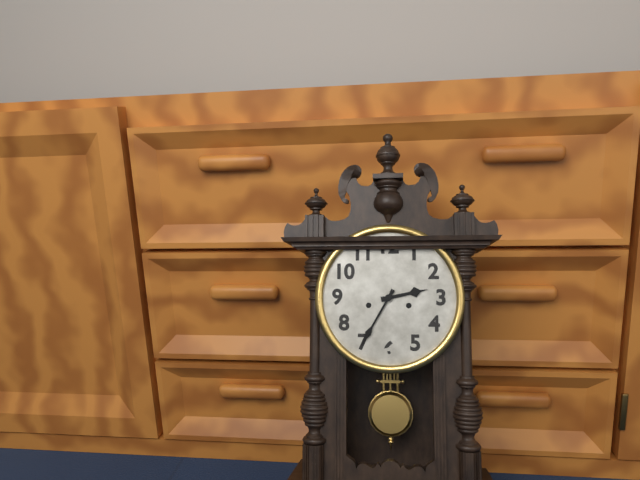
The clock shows 2:35
